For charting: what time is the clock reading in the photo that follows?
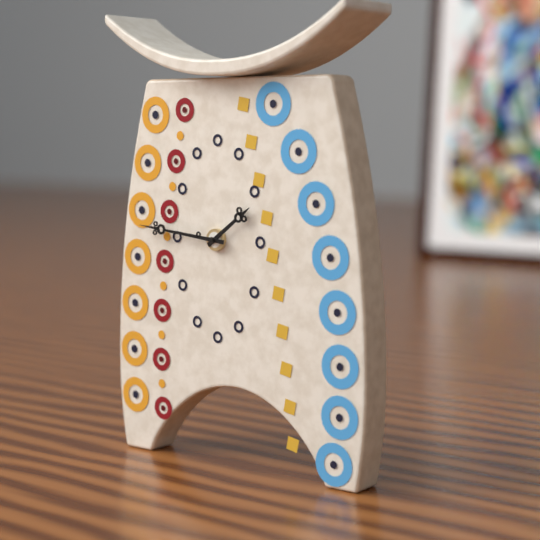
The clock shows 1:46
